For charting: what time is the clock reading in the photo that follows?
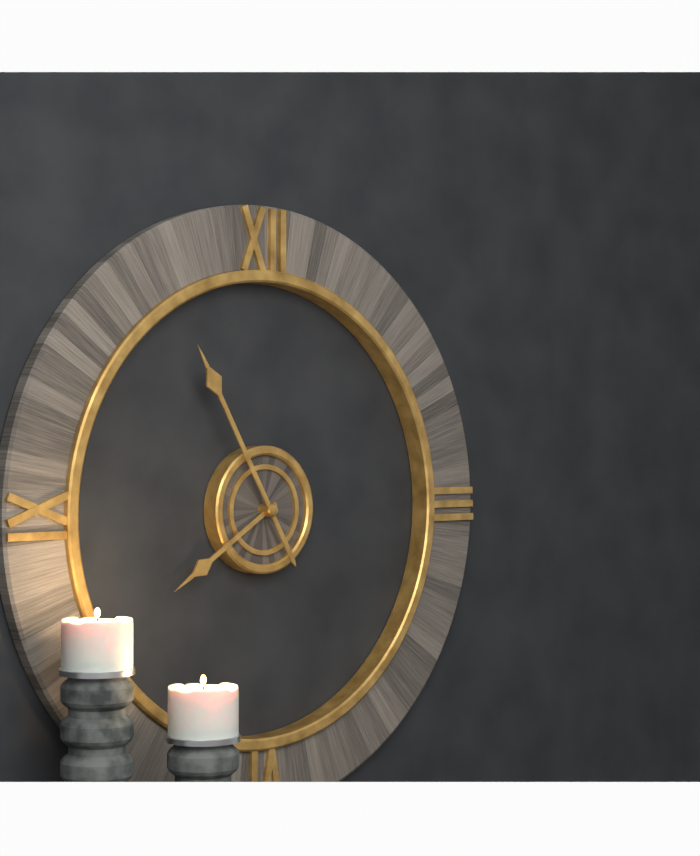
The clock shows 7:55
